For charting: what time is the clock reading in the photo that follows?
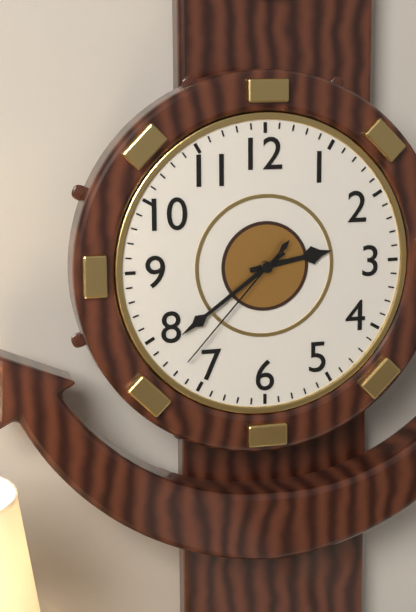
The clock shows 2:39:37
